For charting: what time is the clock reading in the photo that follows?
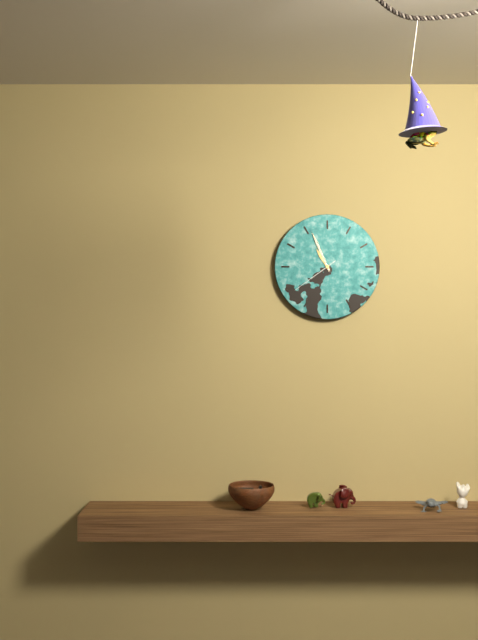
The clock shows 10:56:39
